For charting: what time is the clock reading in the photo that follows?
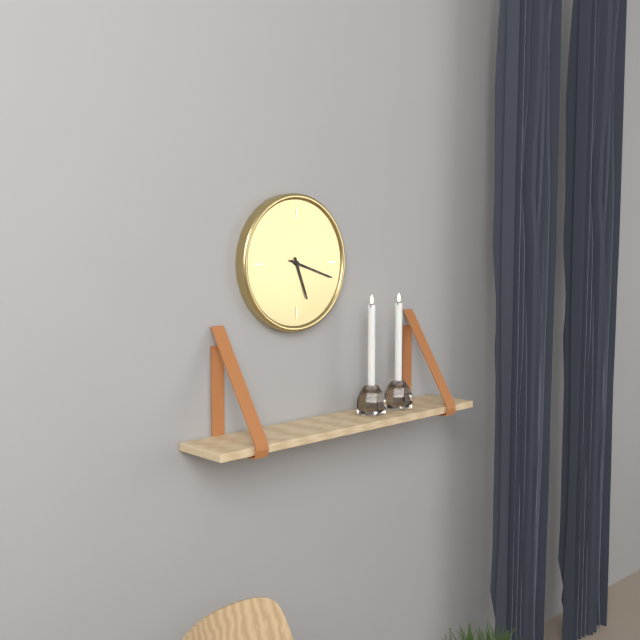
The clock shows 5:18
